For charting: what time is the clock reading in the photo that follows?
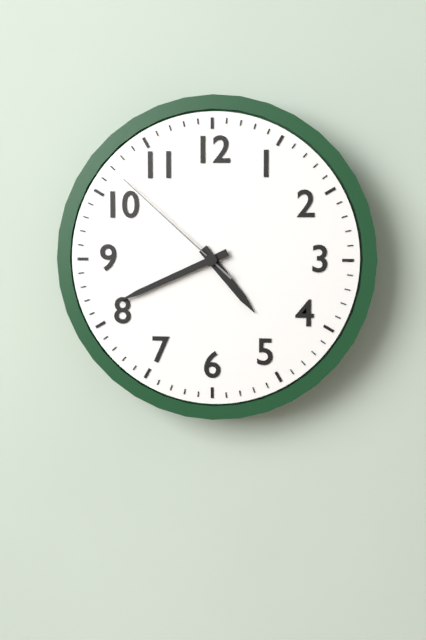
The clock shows 4:41:52
